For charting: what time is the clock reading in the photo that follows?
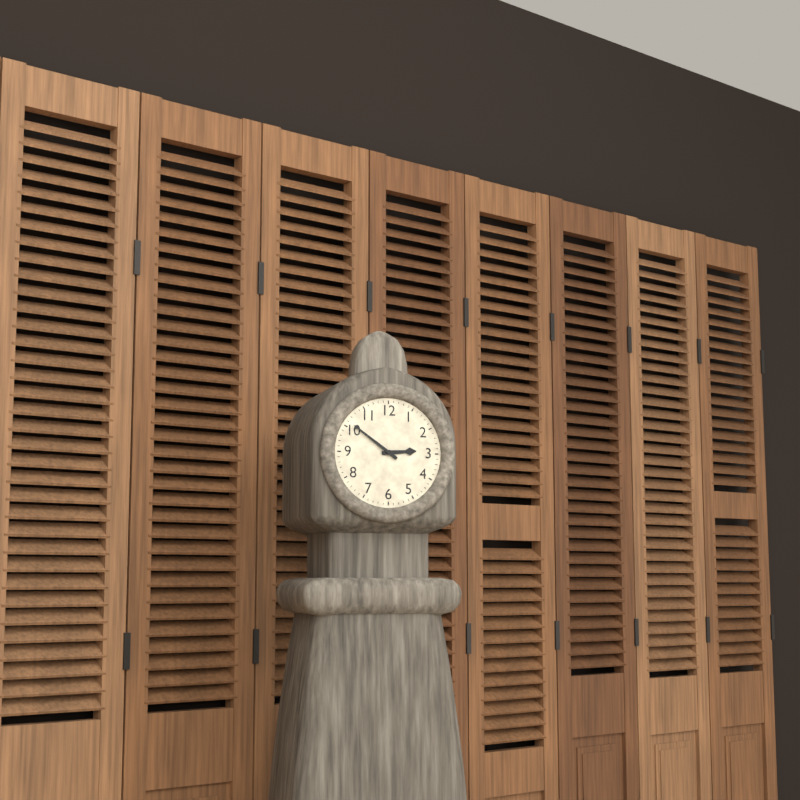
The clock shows 2:51
